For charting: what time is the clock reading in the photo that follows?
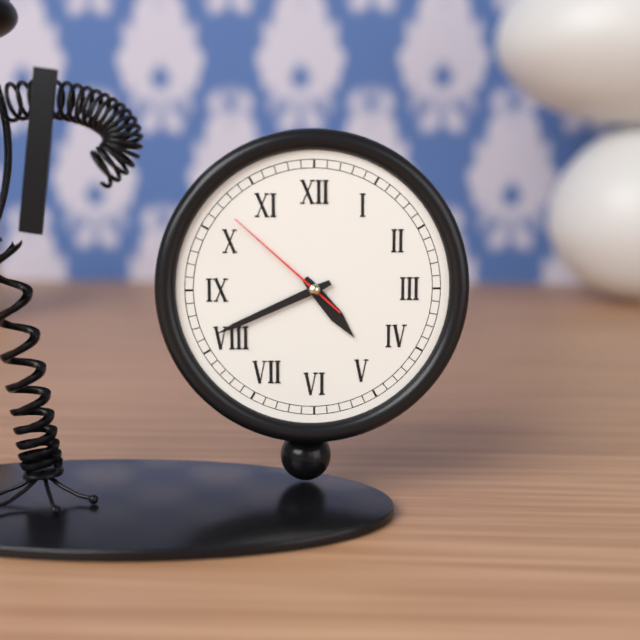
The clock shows 4:41:52
